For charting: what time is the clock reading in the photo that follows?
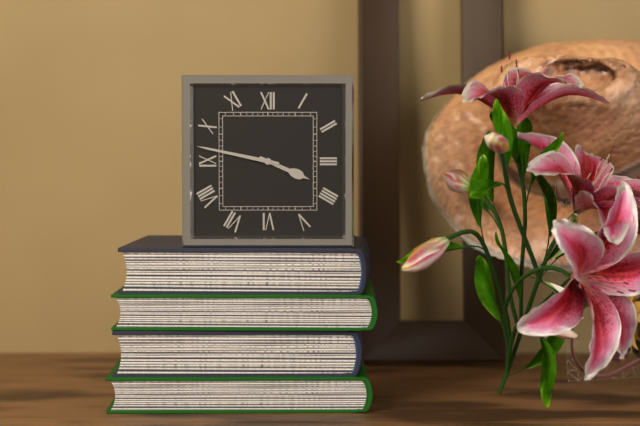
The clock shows 3:47
